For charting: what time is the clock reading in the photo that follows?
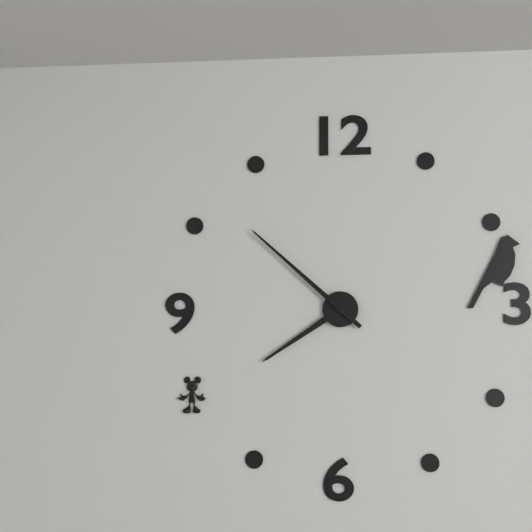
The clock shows 7:52
